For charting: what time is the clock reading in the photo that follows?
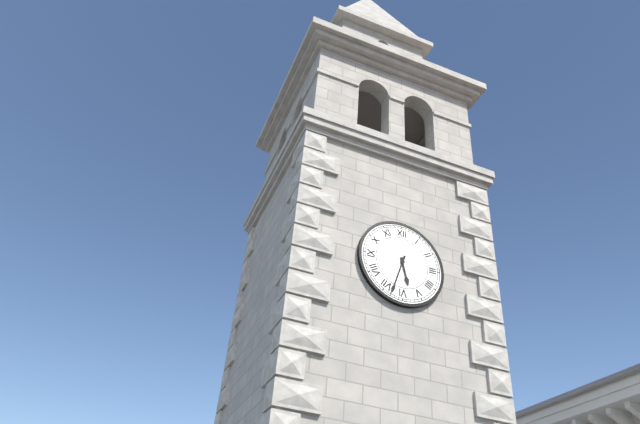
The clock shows 5:33
